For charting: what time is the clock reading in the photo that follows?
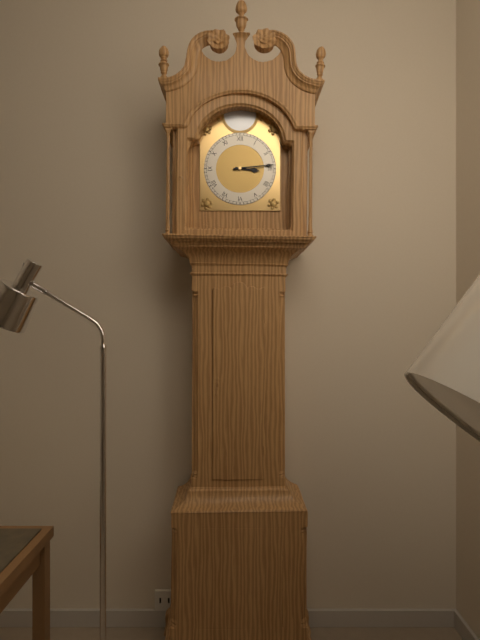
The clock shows 3:14
